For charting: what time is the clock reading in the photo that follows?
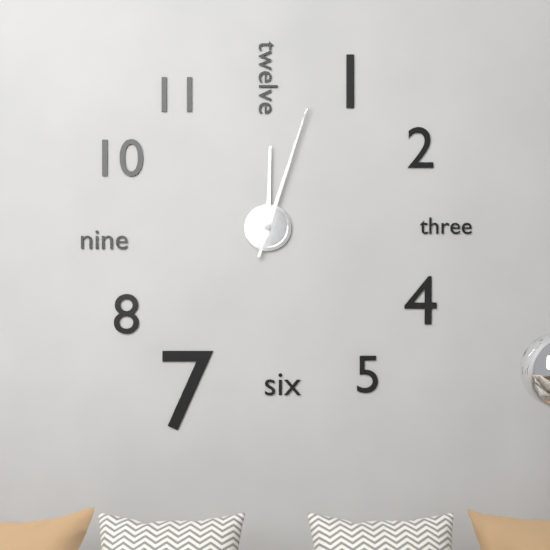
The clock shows 12:03
